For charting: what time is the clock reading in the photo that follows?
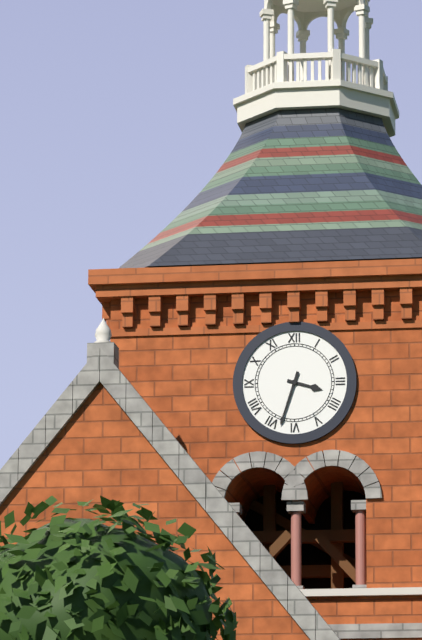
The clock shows 3:33
